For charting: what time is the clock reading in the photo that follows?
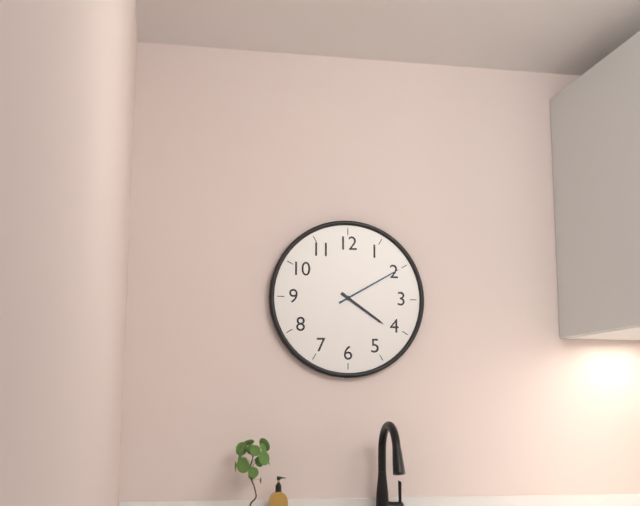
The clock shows 4:10
